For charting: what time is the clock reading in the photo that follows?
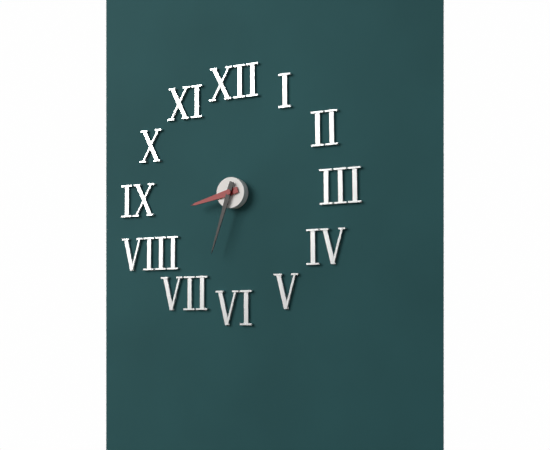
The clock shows 8:33
